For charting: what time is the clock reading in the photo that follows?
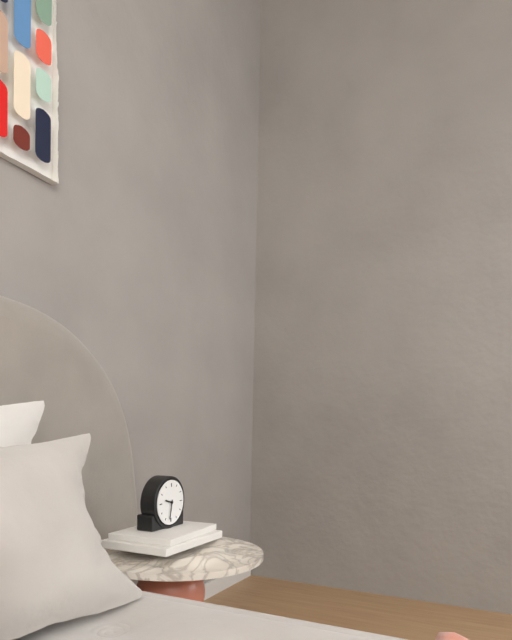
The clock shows 9:32
